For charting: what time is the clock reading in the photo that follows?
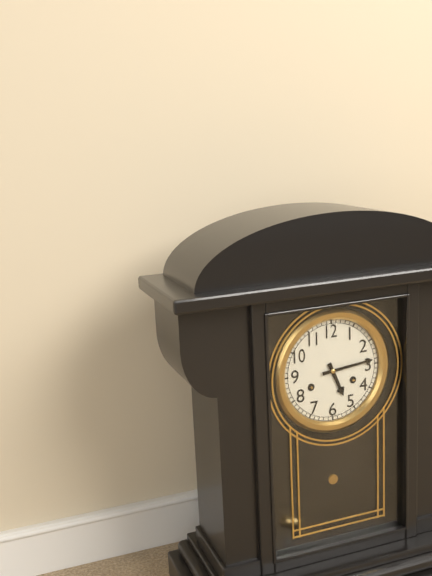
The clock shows 5:14
